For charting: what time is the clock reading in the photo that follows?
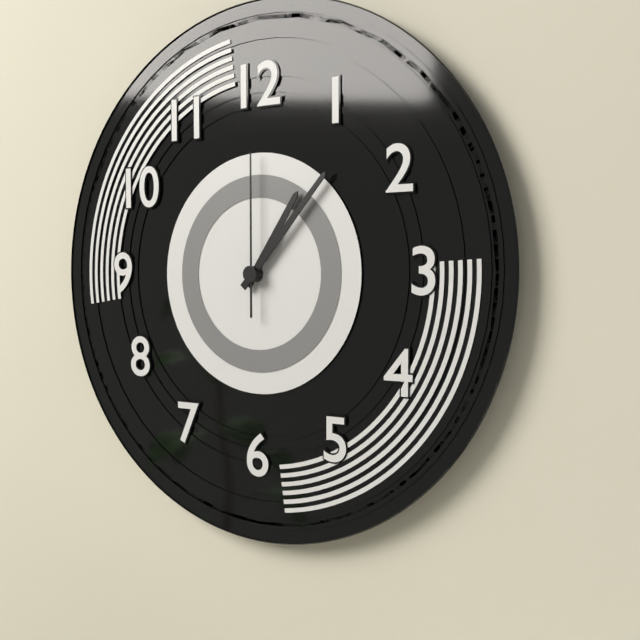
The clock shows 1:07:00
